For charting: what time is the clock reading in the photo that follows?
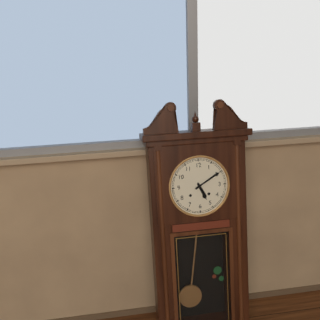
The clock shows 5:10
